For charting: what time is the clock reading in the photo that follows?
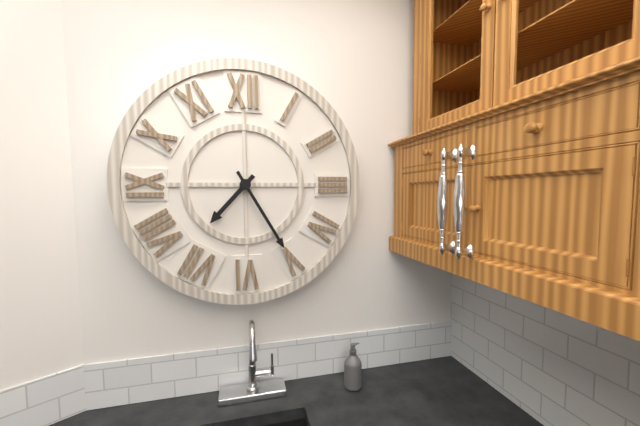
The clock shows 7:25
